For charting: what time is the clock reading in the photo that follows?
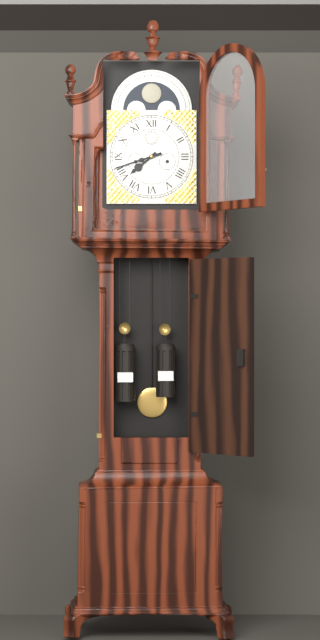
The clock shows 7:42
